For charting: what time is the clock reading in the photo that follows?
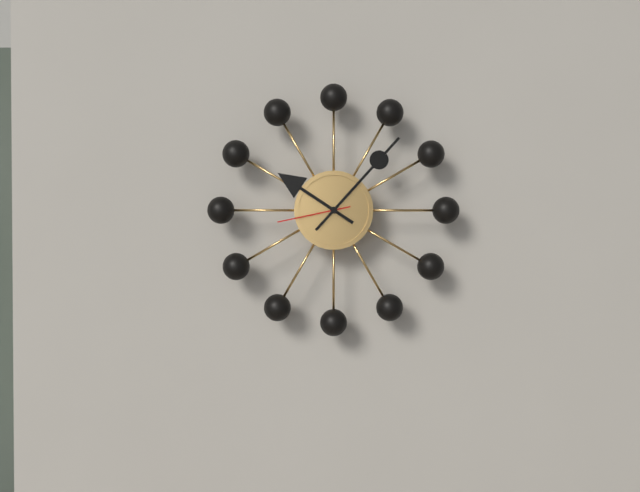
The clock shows 10:07:43
